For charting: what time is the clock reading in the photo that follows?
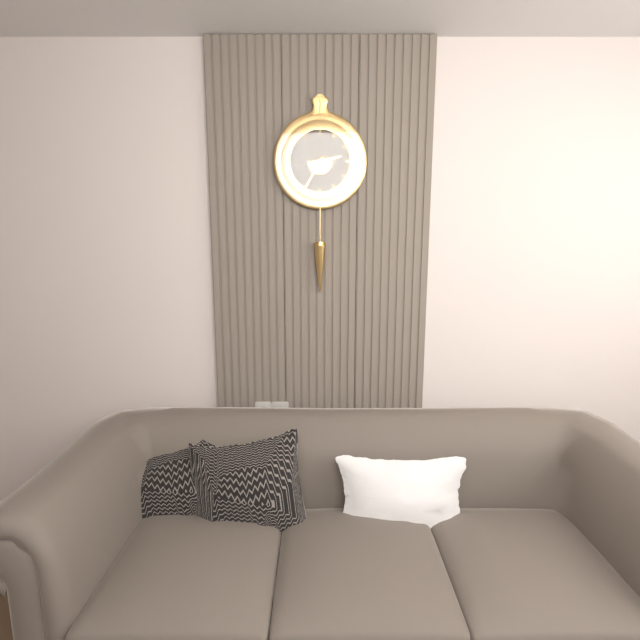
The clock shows 2:35
